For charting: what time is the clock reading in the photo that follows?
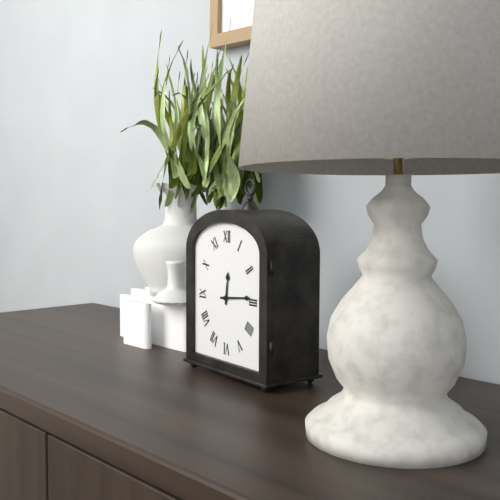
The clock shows 12:14
